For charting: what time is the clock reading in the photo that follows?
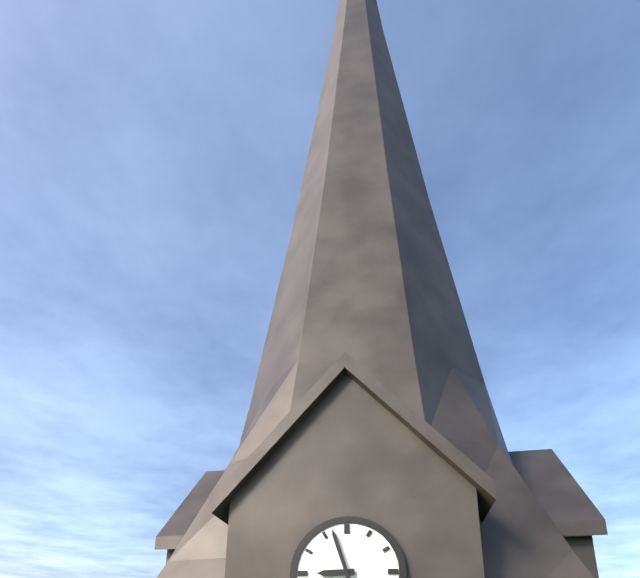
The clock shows 8:57
